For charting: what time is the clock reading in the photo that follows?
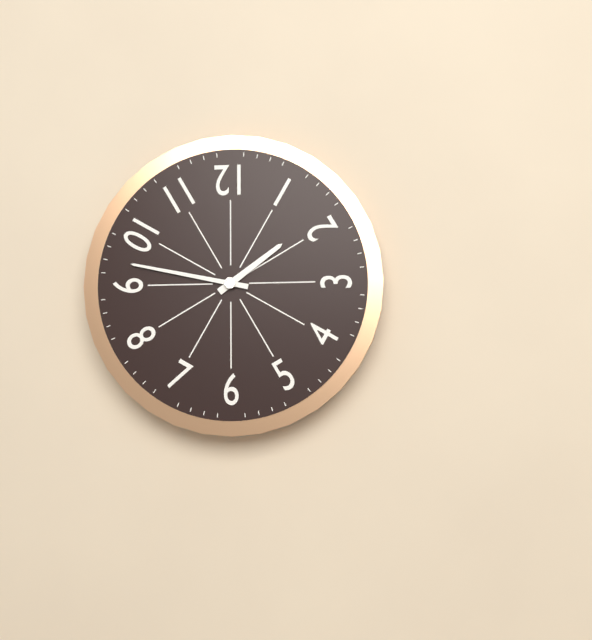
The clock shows 1:47
